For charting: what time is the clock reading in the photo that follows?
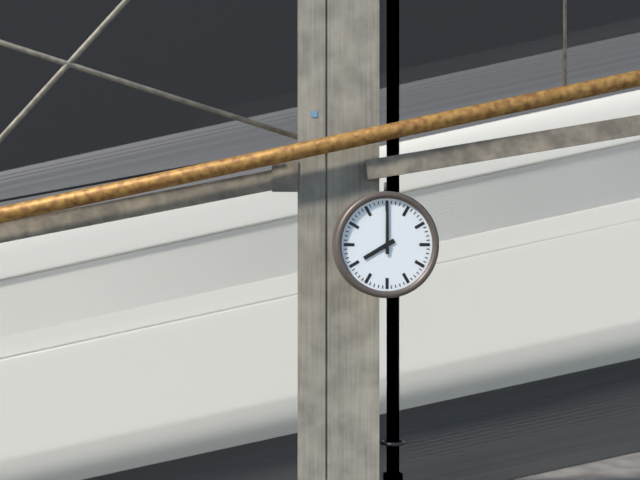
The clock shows 8:00
